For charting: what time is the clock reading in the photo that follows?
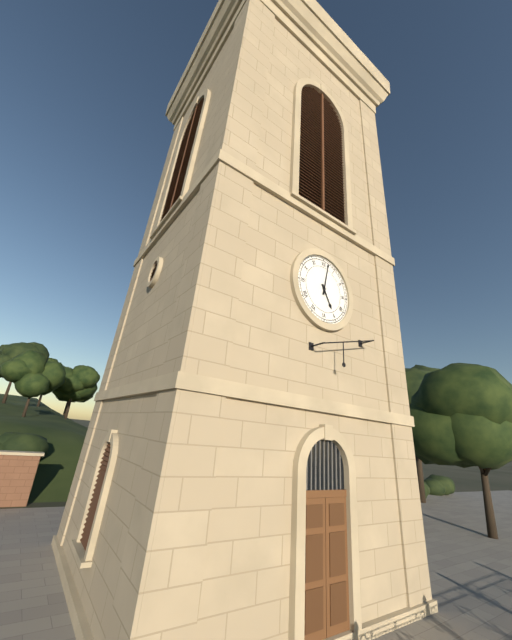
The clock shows 5:02
